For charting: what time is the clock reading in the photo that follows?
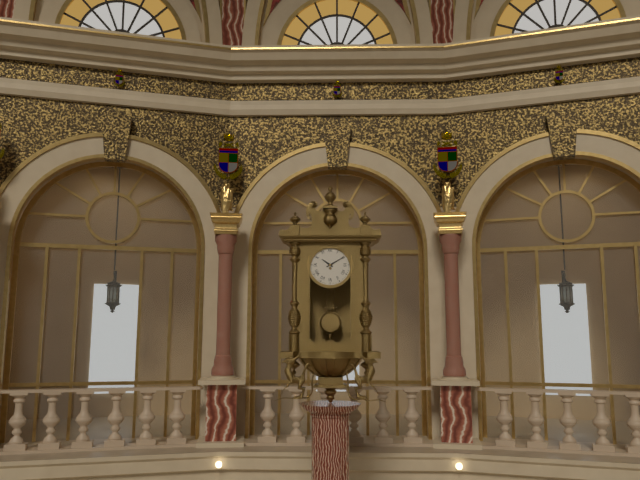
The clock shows 10:10
